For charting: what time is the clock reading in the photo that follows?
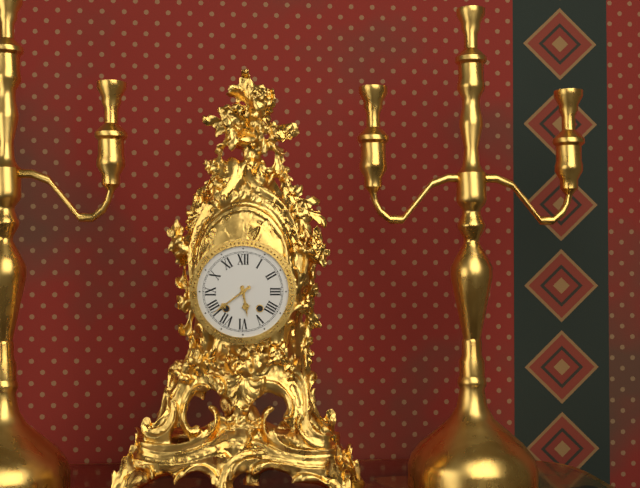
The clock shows 5:39
